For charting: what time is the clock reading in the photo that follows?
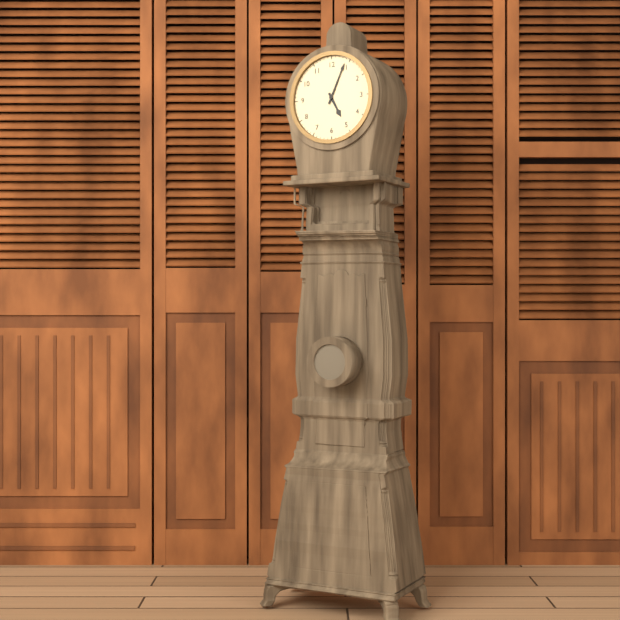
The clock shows 5:04
